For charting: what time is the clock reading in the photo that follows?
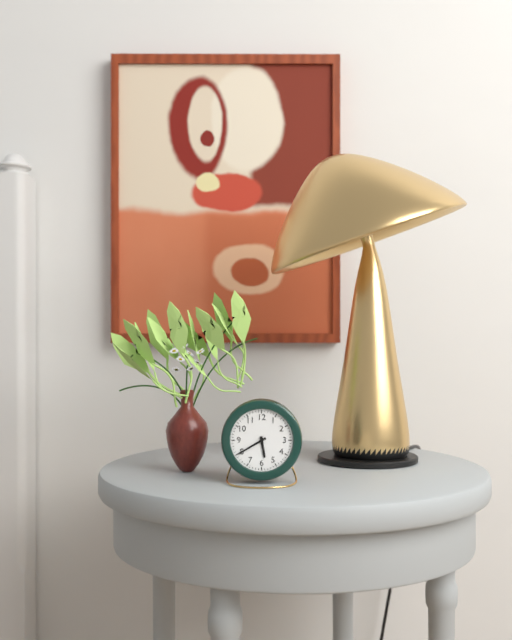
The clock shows 5:40
